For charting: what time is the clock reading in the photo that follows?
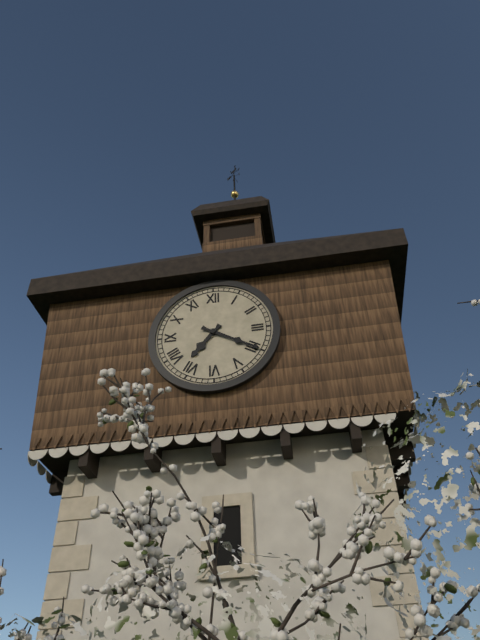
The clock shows 7:20
